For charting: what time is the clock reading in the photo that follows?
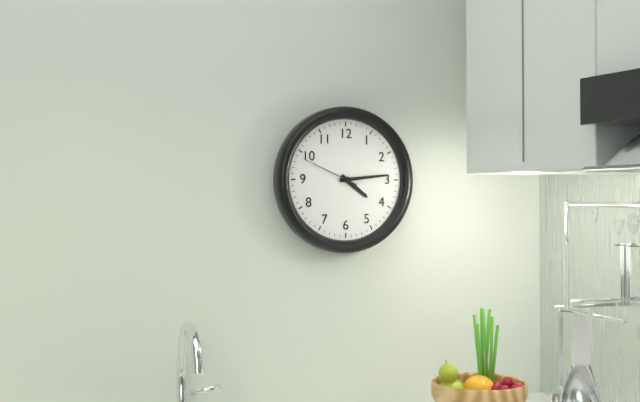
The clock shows 4:14:49
